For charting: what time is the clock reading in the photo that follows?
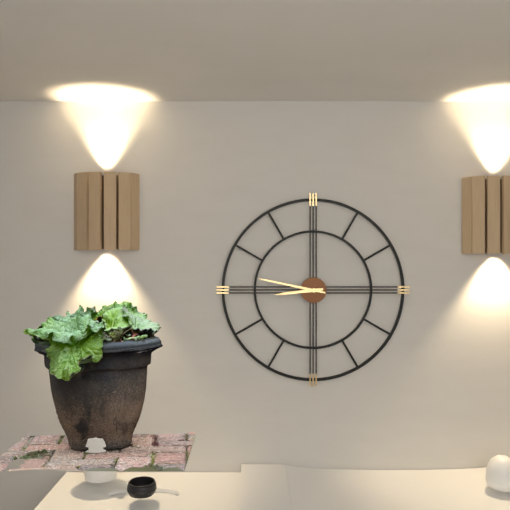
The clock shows 8:47
